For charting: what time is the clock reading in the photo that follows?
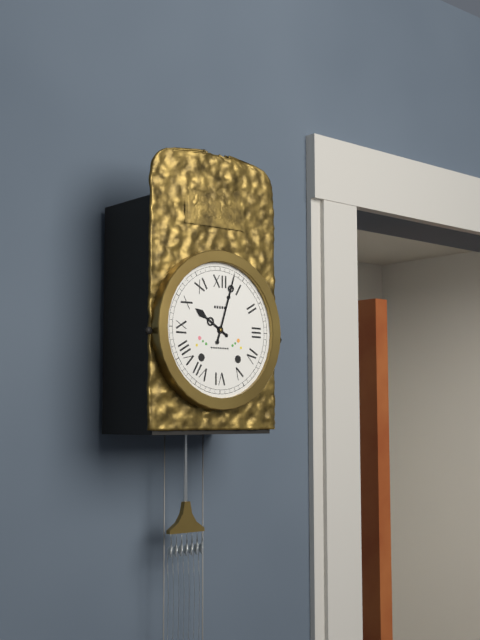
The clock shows 10:03
